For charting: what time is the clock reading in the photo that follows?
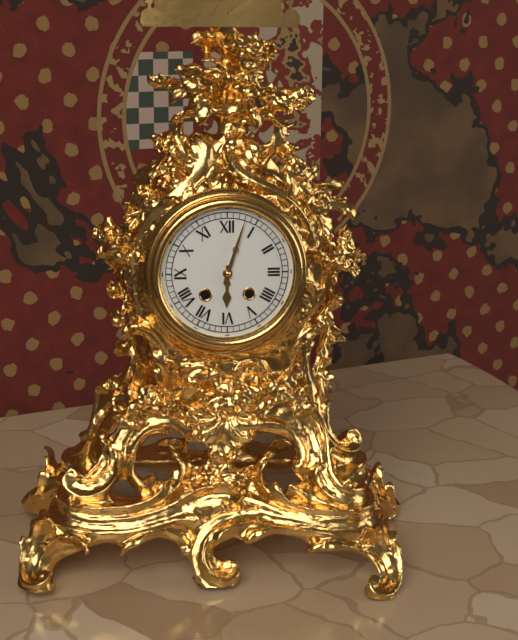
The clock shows 6:03
